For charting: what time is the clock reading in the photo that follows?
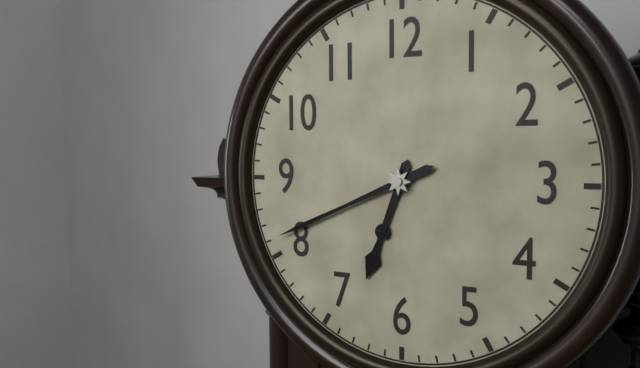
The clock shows 6:41
